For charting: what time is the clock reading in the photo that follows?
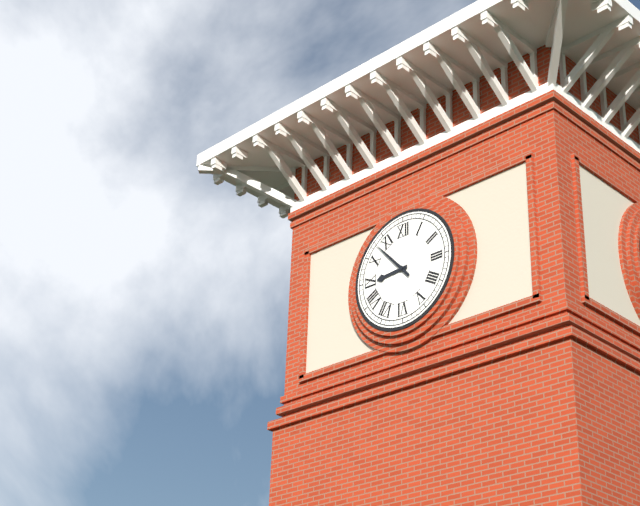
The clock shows 8:53
